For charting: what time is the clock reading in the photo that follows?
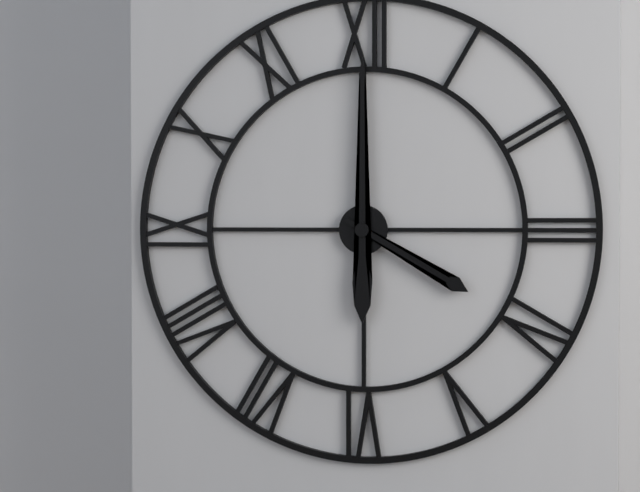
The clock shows 4:00
